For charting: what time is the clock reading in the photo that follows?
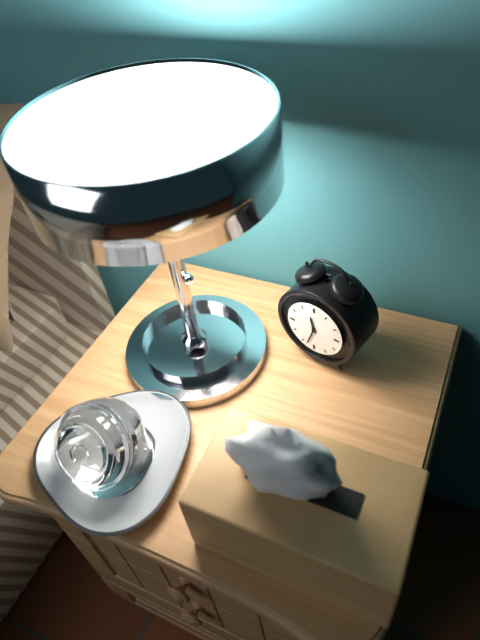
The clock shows 11:33
